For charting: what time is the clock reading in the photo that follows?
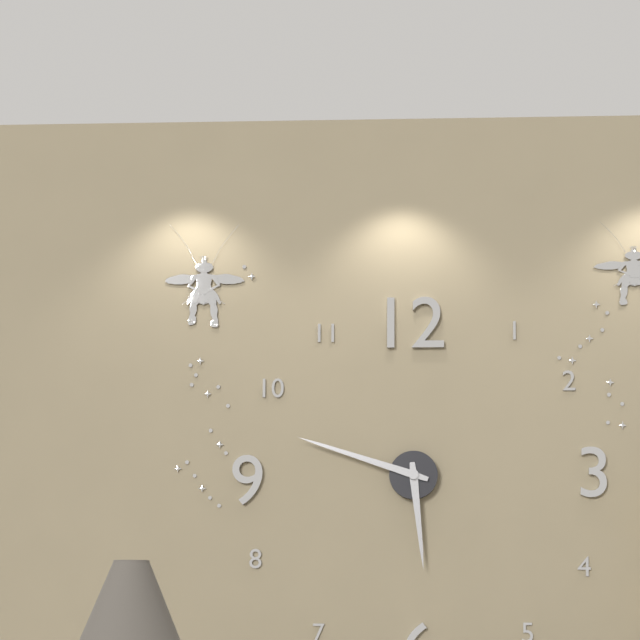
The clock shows 5:48
